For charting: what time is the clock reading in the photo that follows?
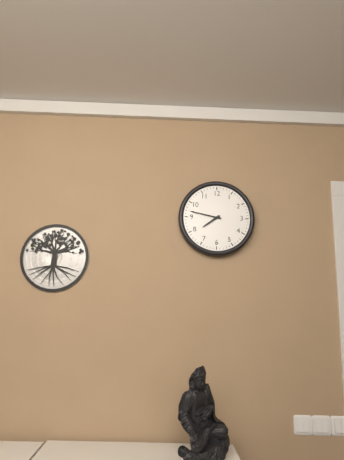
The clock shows 7:47
